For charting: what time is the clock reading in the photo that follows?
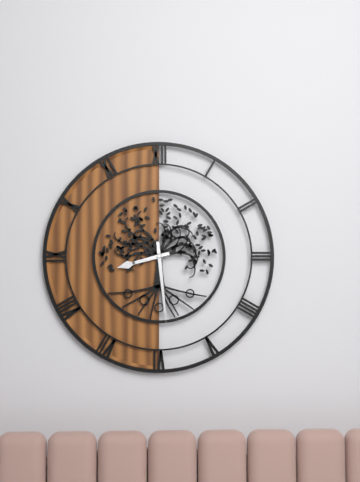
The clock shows 8:29
